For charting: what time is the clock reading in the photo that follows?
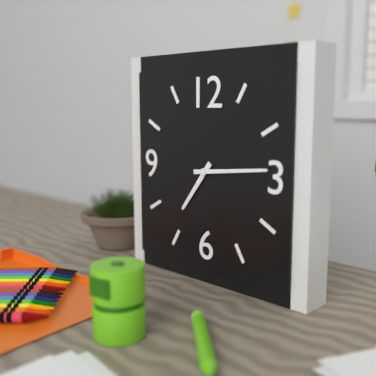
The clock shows 7:14
